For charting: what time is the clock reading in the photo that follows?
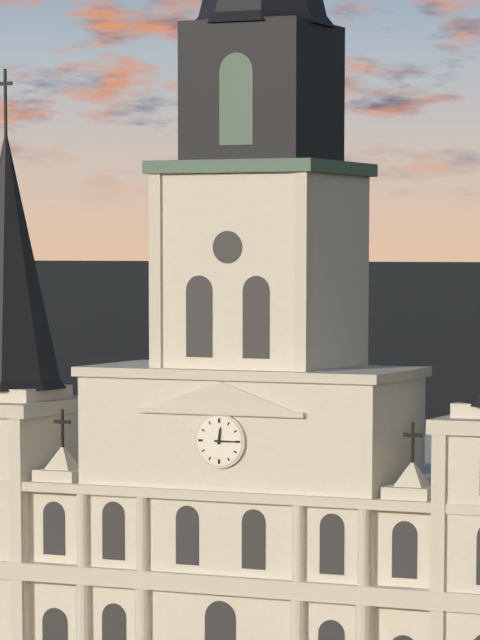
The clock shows 12:15
